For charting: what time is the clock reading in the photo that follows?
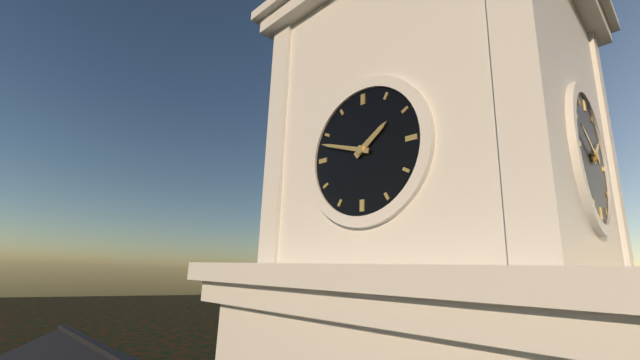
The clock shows 1:48
